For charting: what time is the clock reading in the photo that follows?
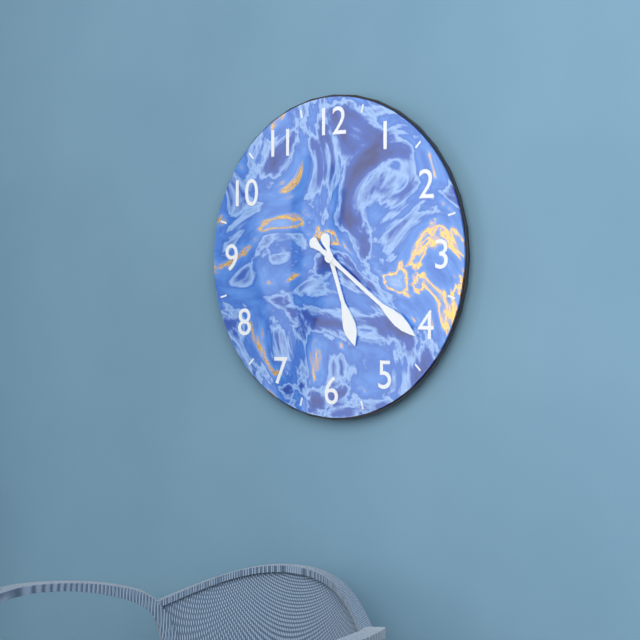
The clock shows 5:21
